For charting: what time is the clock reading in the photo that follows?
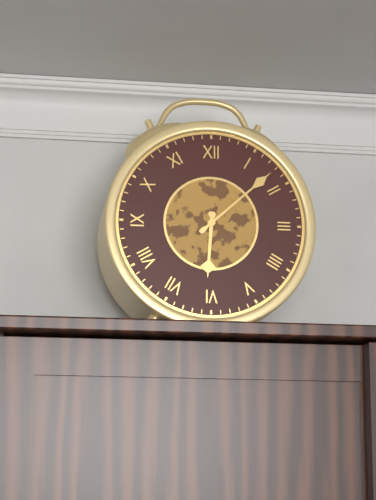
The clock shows 6:08
